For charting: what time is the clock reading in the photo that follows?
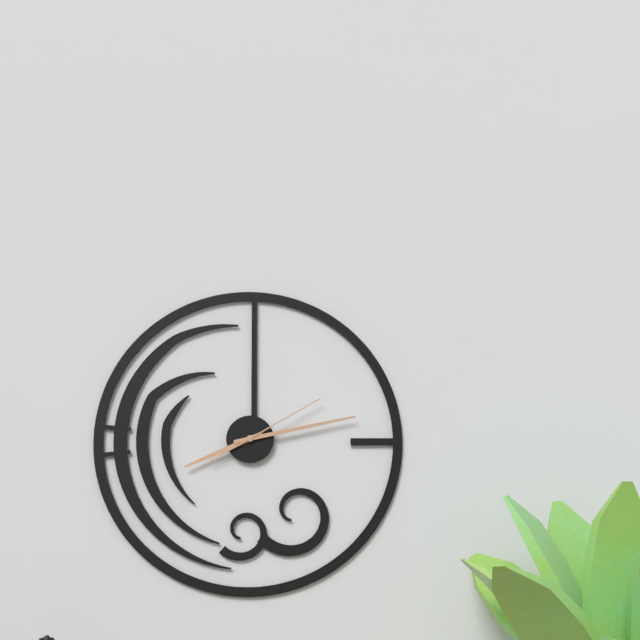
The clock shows 8:13:10
